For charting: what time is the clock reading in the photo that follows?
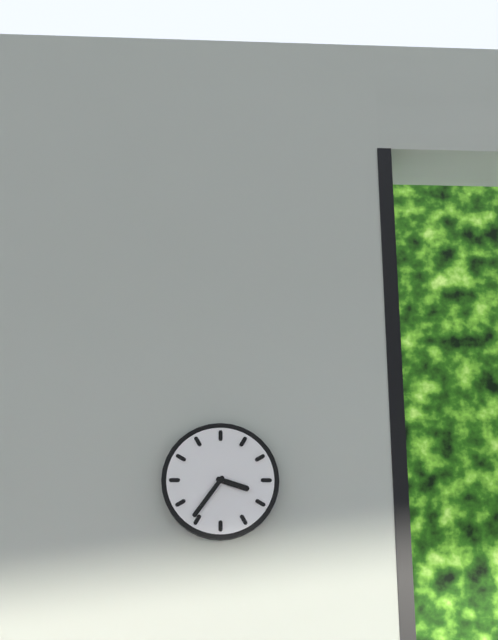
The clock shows 3:36
